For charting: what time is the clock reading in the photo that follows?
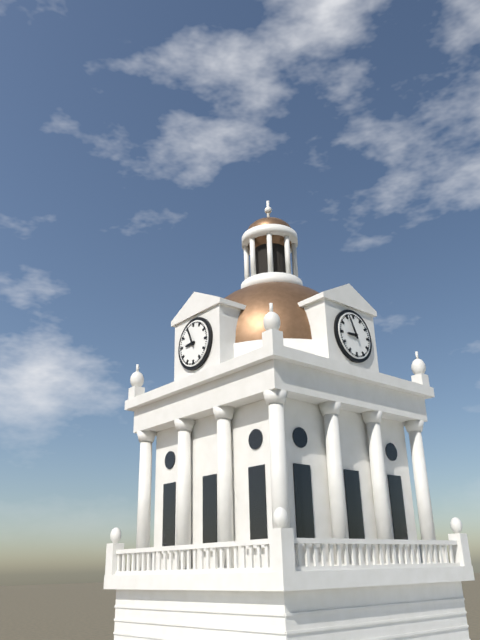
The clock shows 8:56
